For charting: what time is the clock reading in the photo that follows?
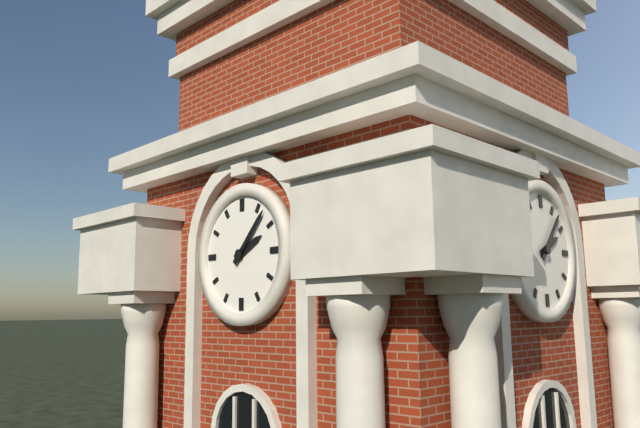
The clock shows 2:07
